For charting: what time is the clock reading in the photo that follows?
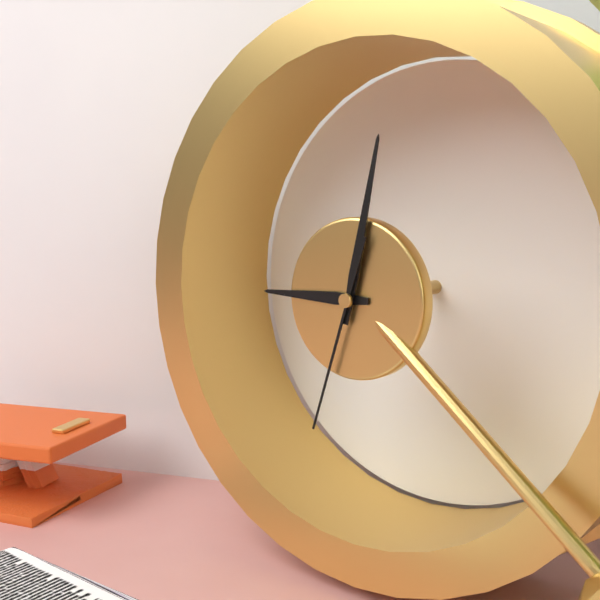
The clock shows 9:02:33
